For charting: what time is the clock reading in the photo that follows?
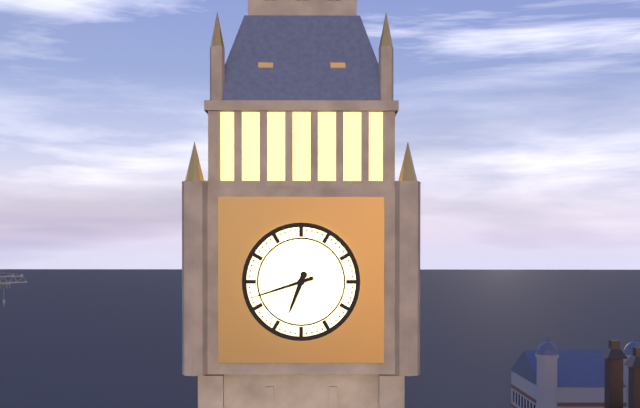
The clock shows 6:42
